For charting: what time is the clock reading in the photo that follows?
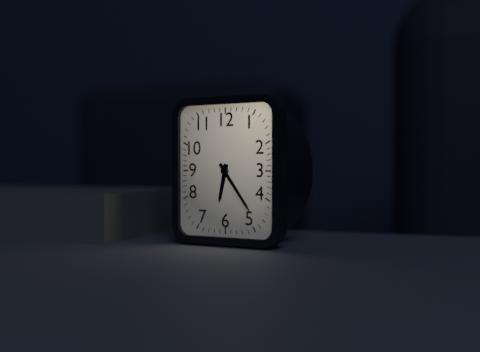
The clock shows 6:24
